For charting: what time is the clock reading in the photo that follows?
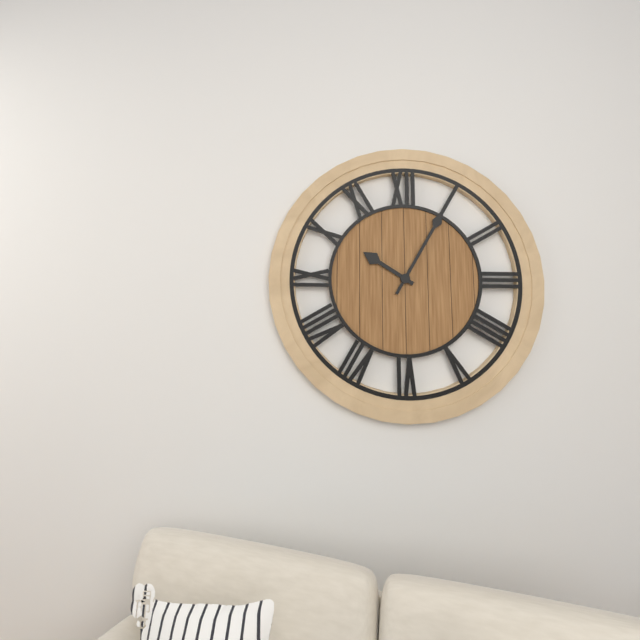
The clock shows 10:05
